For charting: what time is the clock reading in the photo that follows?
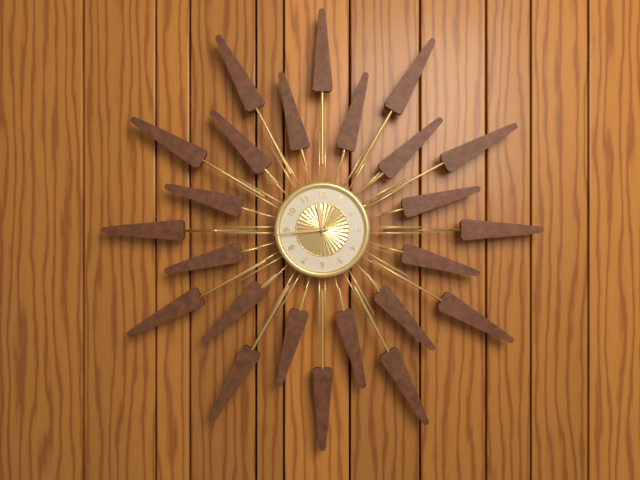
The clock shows 11:44
